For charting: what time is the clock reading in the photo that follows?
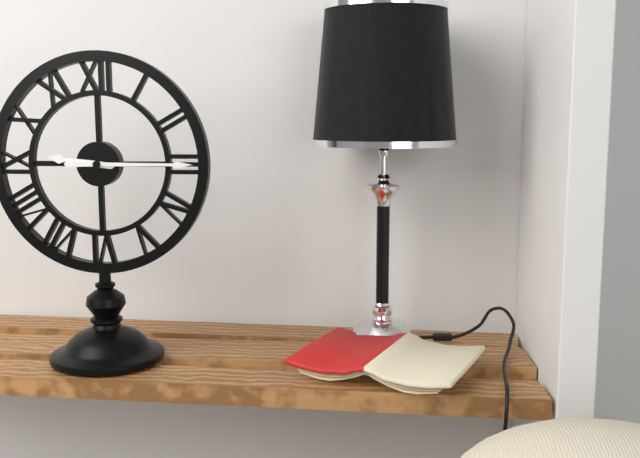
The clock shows 9:15
